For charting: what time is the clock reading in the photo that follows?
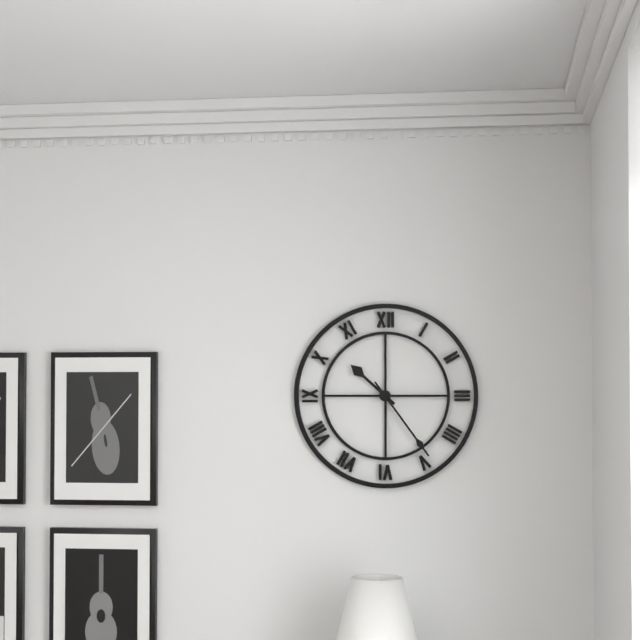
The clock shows 10:24
